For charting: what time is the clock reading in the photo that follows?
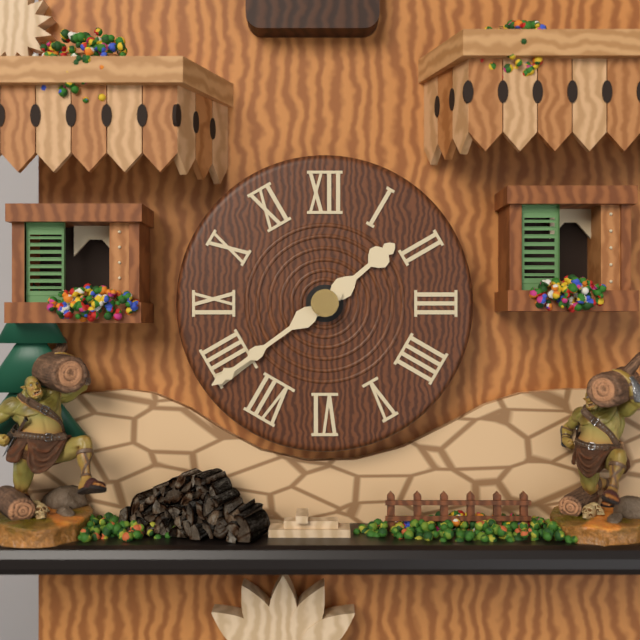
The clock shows 1:39
